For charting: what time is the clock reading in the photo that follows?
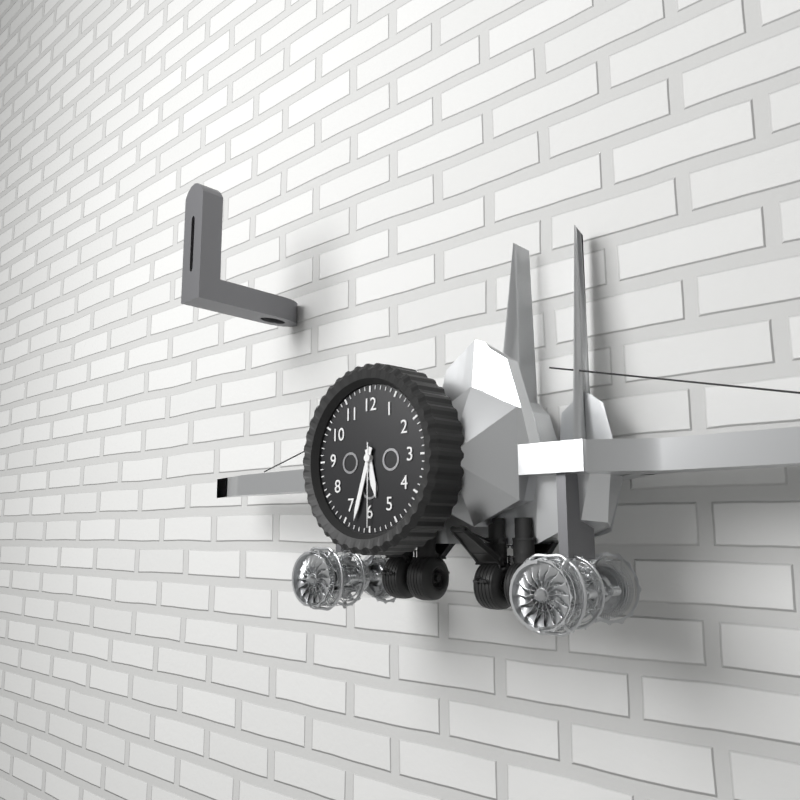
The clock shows 5:33:30
